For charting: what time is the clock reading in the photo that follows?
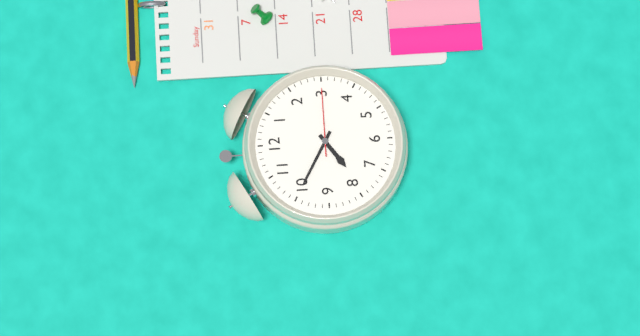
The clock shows 7:50:15
